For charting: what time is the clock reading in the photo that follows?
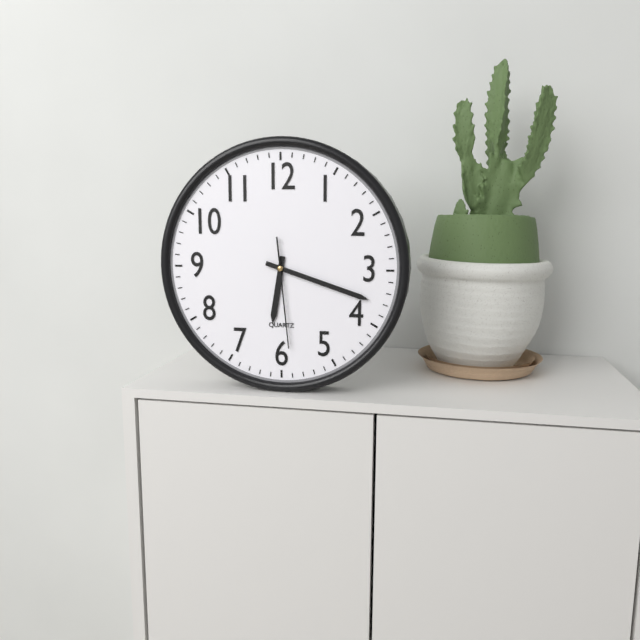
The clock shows 6:18:29
